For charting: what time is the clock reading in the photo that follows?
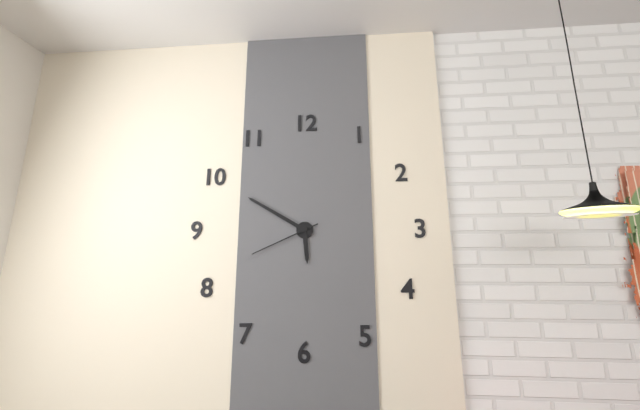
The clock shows 5:50:41
